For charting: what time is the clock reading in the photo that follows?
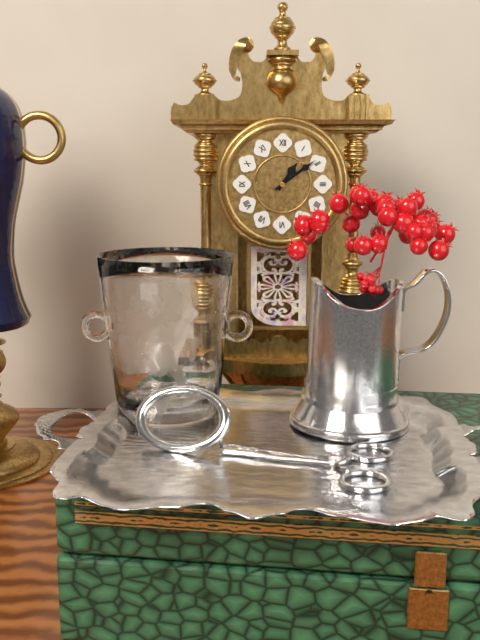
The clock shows 1:09
